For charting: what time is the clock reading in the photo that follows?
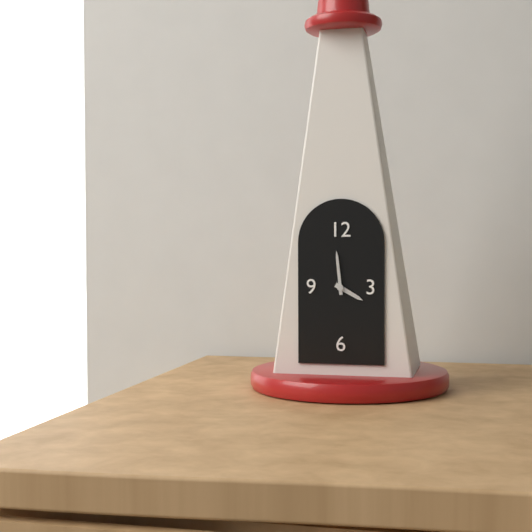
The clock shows 3:59
